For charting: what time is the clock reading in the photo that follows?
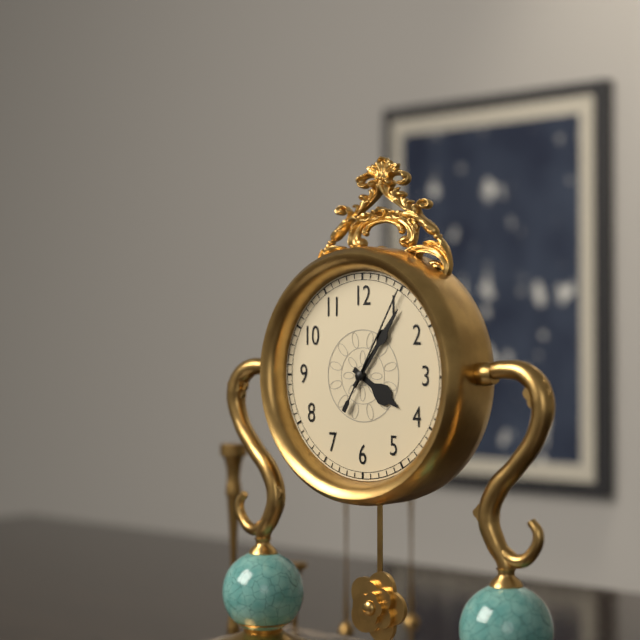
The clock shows 4:06:05
